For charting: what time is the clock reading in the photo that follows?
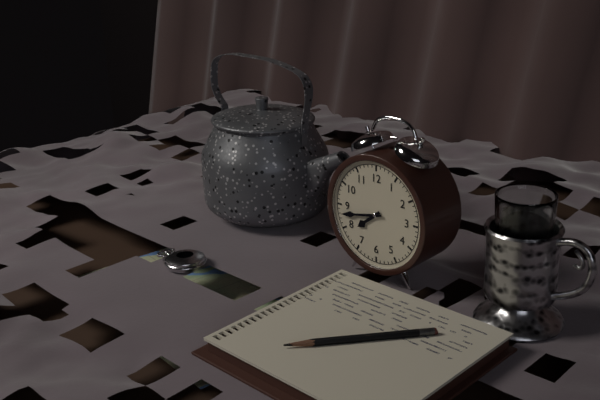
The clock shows 7:43
